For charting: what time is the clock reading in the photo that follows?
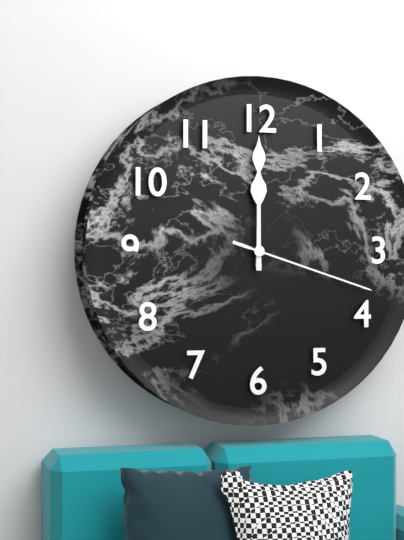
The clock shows 12:00:18
